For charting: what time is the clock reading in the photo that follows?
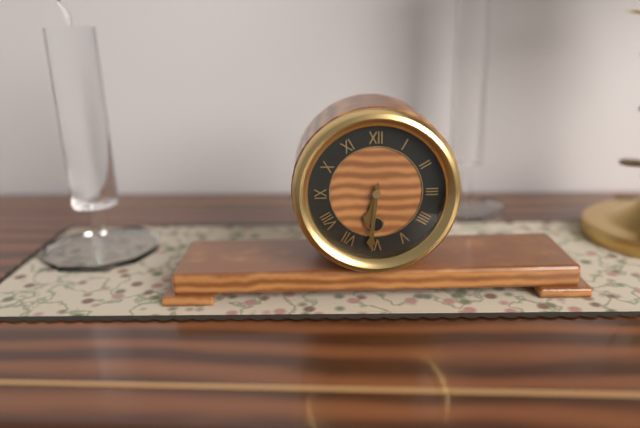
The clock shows 6:31
